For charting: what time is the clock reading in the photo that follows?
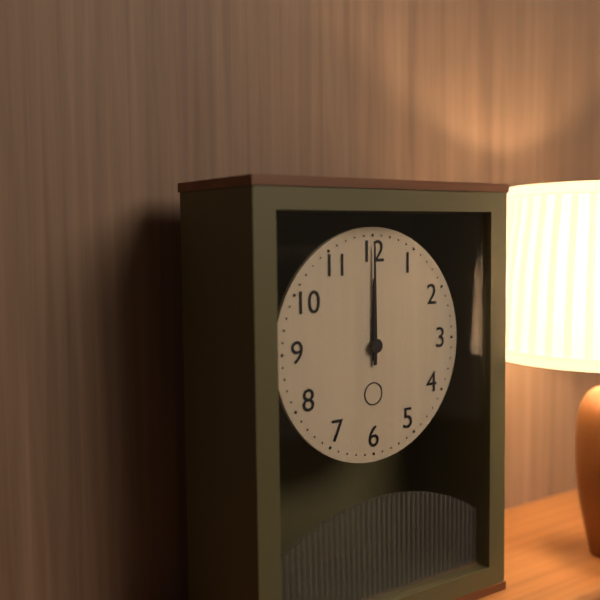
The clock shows 12:00
